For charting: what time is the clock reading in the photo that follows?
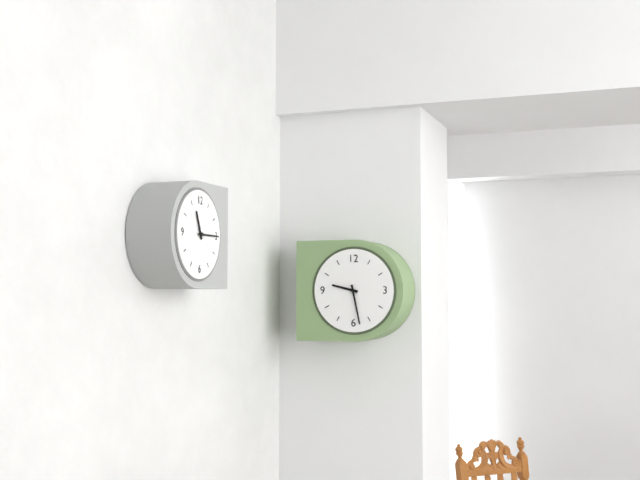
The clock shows 9:28
